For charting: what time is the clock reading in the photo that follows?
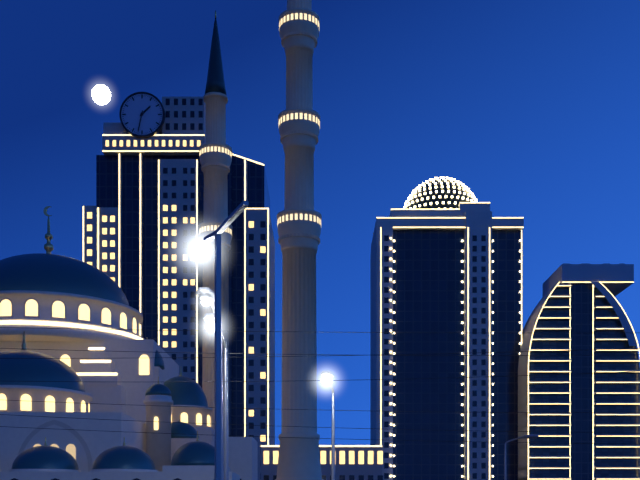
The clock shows 1:32
